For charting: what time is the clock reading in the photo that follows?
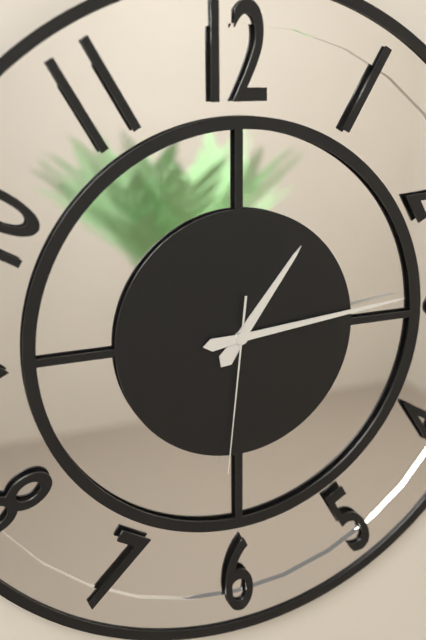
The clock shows 1:14:31
